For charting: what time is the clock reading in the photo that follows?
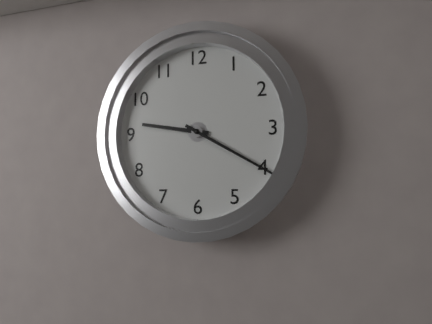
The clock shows 9:20
